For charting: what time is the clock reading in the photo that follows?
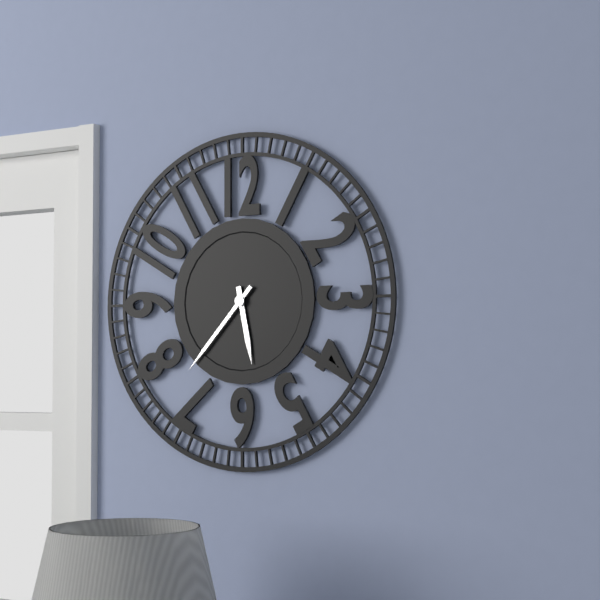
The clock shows 5:37
